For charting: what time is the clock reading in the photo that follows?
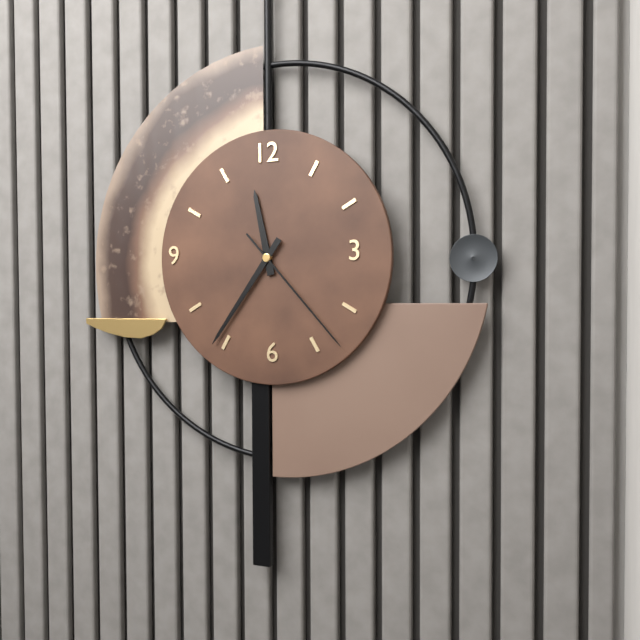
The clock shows 11:36:23
